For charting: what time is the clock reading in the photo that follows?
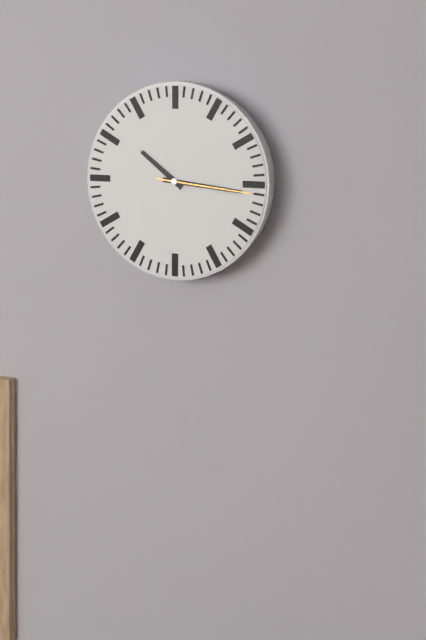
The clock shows 10:16:16
